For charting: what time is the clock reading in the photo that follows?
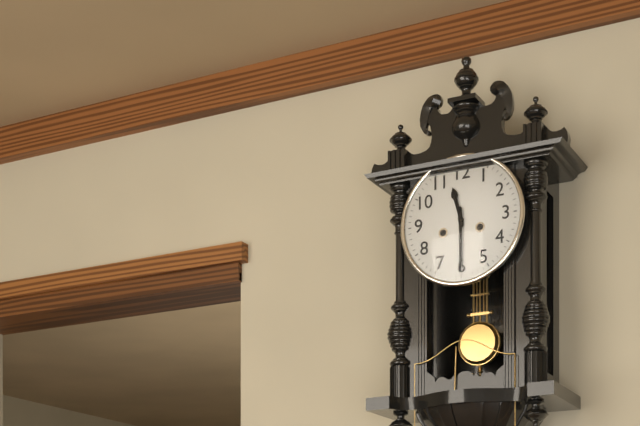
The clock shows 11:30
